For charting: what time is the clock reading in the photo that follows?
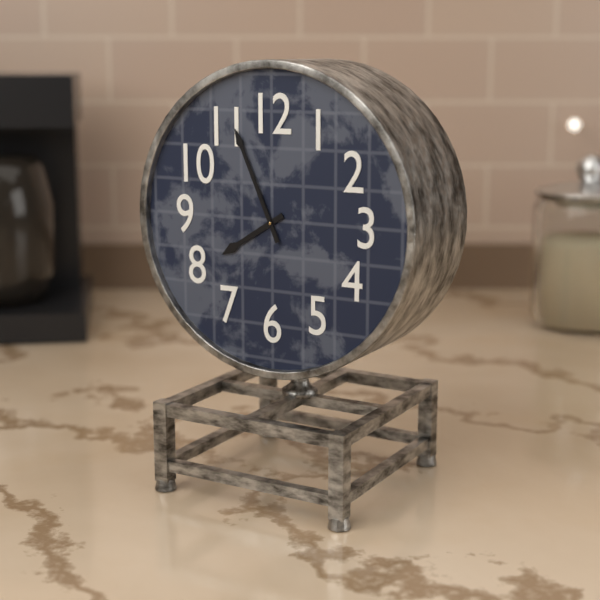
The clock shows 7:56
